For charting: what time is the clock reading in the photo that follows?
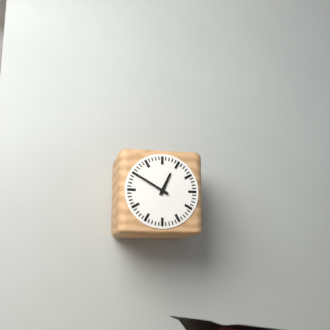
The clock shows 12:50
